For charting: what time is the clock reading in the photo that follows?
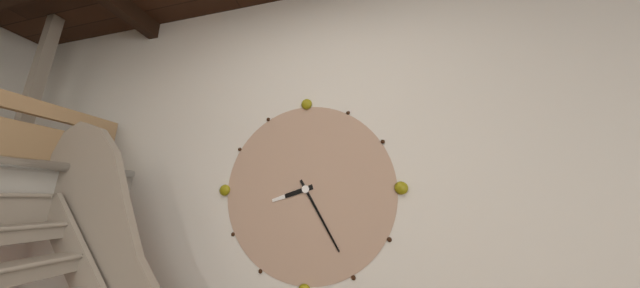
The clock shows 8:25
